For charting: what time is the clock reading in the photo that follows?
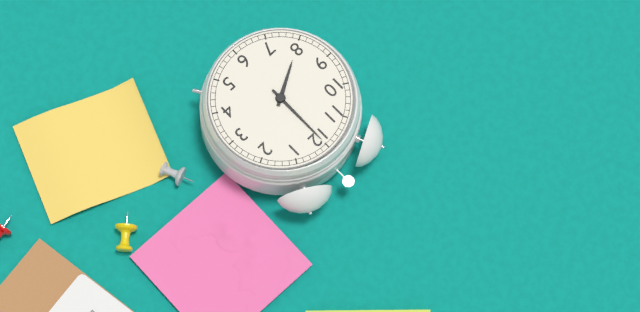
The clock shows 8:00
